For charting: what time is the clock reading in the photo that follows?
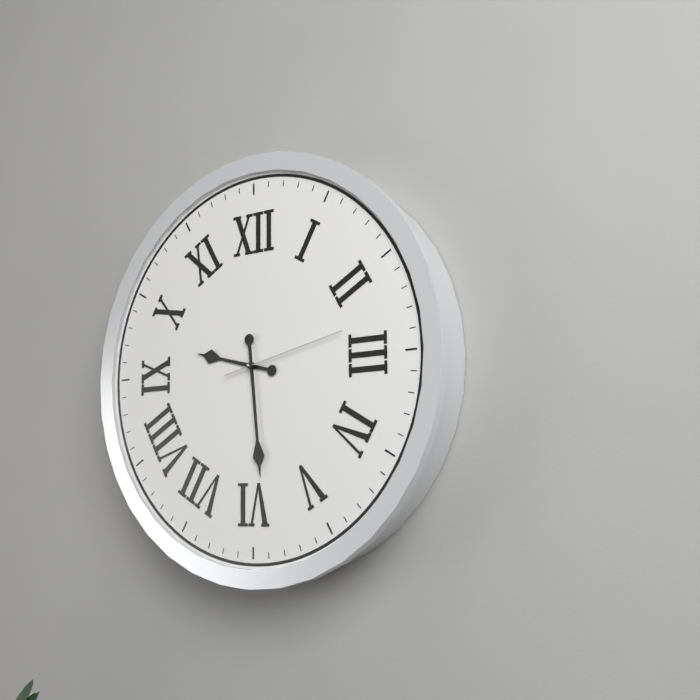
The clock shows 9:29:13
